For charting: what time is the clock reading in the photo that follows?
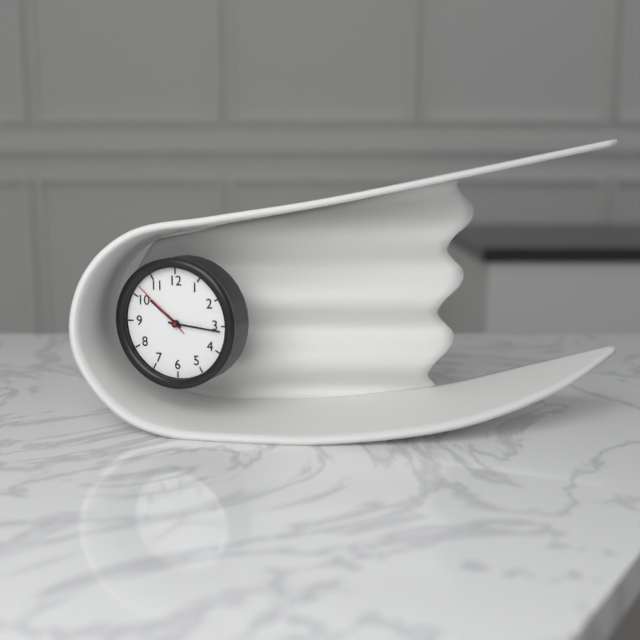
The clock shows 10:16:52
